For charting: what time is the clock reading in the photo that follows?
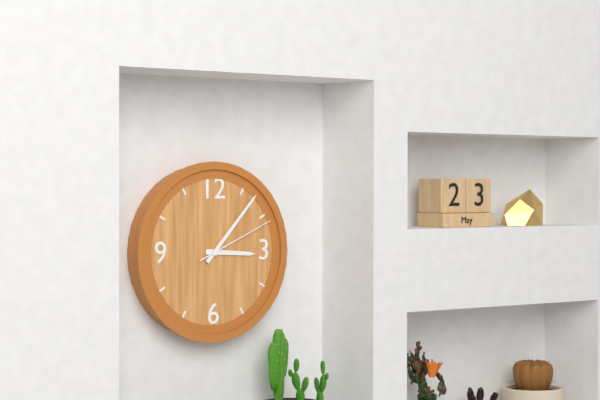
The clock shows 3:07:11
